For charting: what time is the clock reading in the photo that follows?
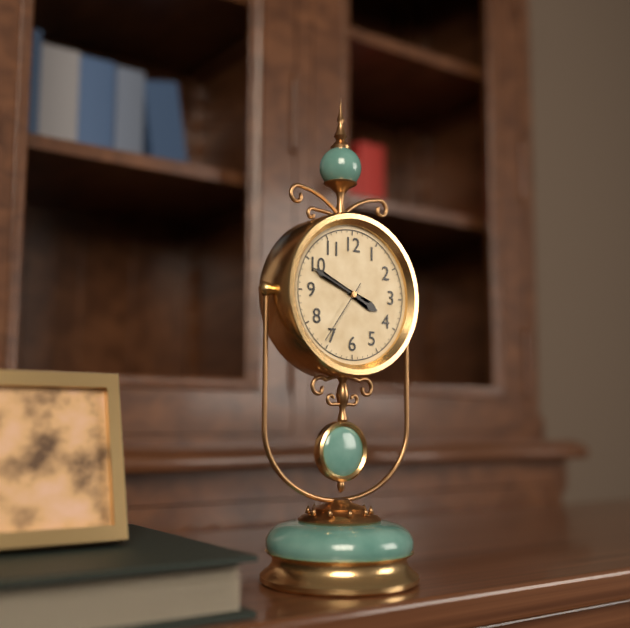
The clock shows 3:49:36
